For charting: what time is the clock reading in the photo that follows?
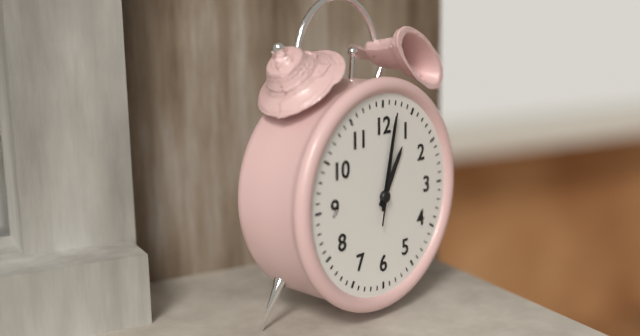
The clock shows 1:02:02
